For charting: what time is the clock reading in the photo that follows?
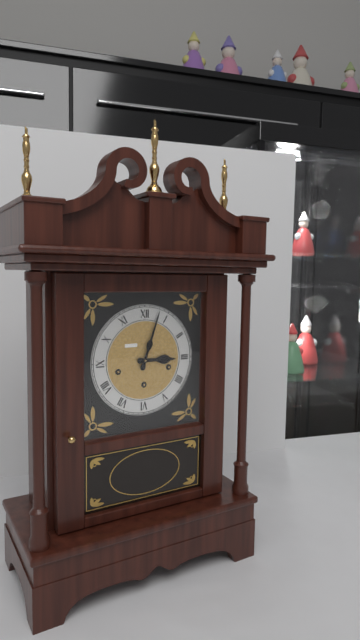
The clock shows 3:03
